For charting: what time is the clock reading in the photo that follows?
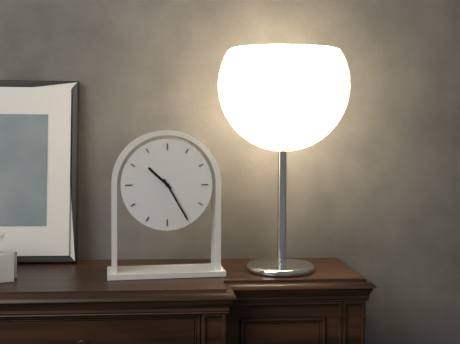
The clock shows 10:25
